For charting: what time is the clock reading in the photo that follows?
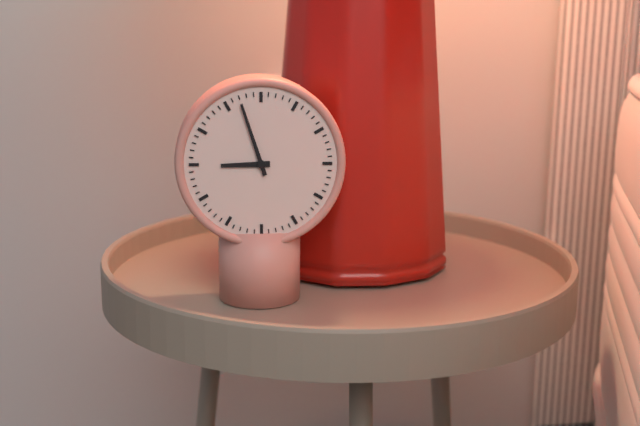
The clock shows 8:57
